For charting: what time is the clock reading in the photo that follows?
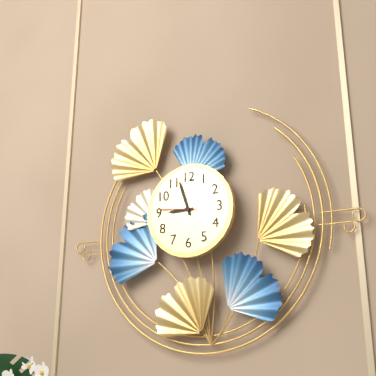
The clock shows 8:57
